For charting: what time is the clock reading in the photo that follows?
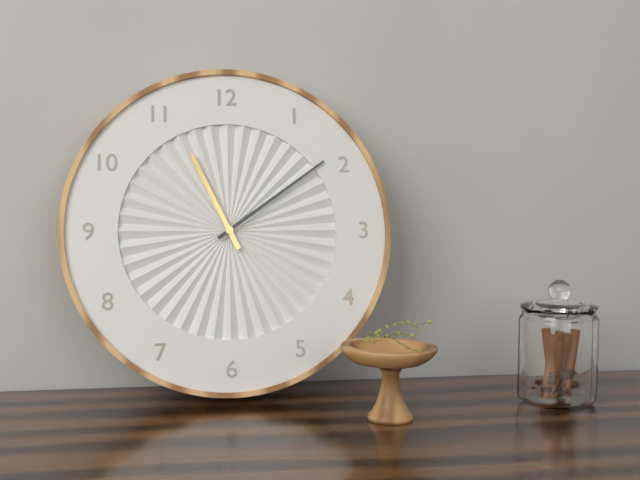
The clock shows 11:09
